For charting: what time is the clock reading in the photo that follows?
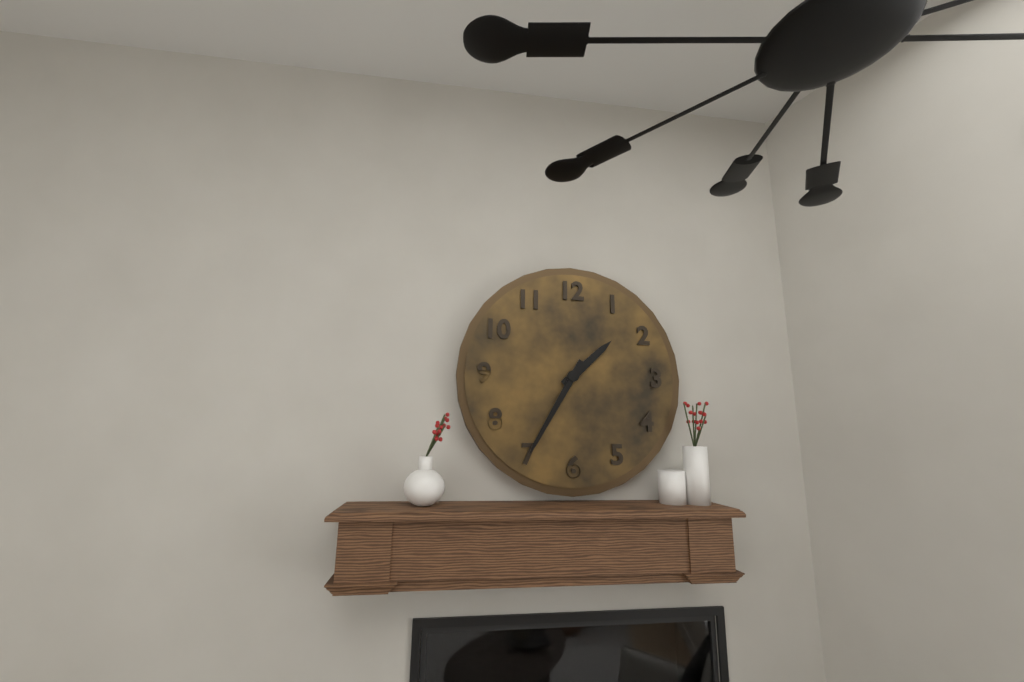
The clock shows 1:35
